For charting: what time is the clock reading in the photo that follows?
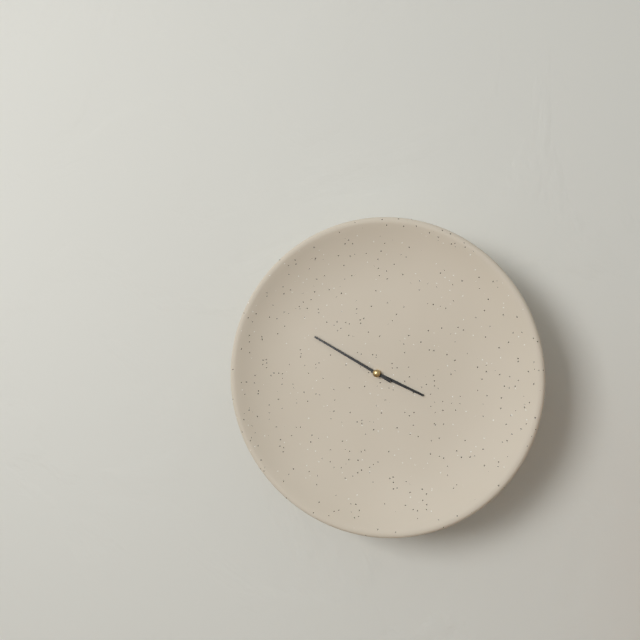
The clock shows 3:50
